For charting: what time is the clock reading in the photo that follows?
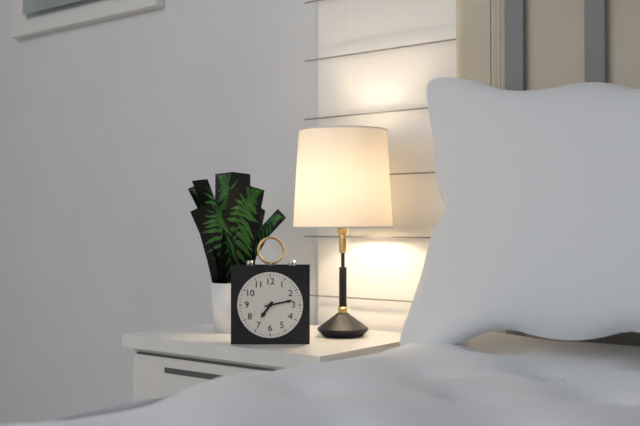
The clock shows 7:13
